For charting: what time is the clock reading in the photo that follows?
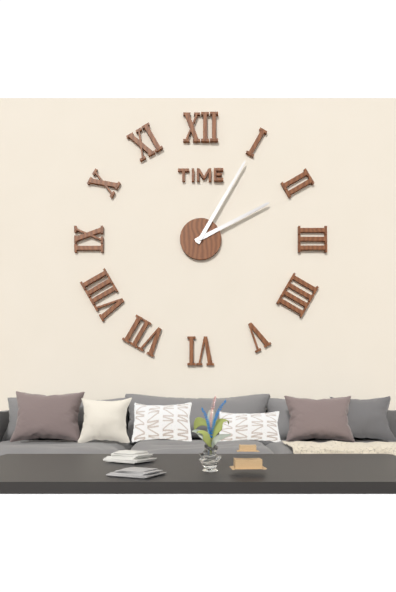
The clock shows 2:05
